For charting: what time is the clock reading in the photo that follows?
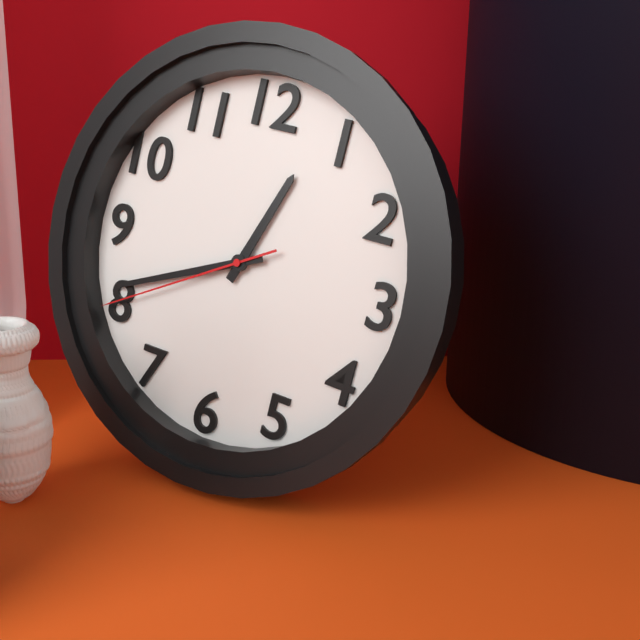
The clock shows 12:41:40
